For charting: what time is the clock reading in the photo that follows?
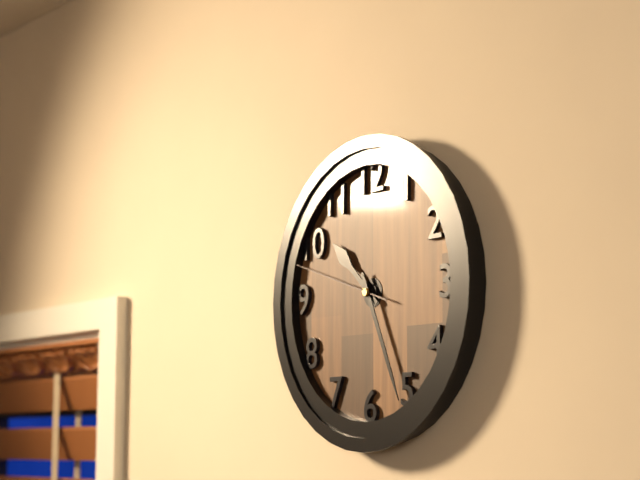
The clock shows 10:26:48
